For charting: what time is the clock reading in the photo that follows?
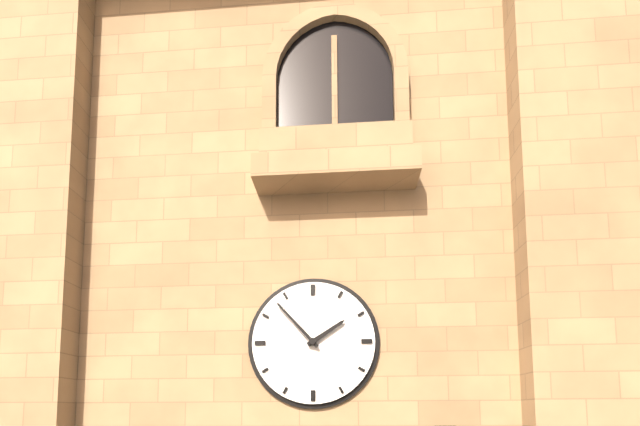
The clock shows 1:53
